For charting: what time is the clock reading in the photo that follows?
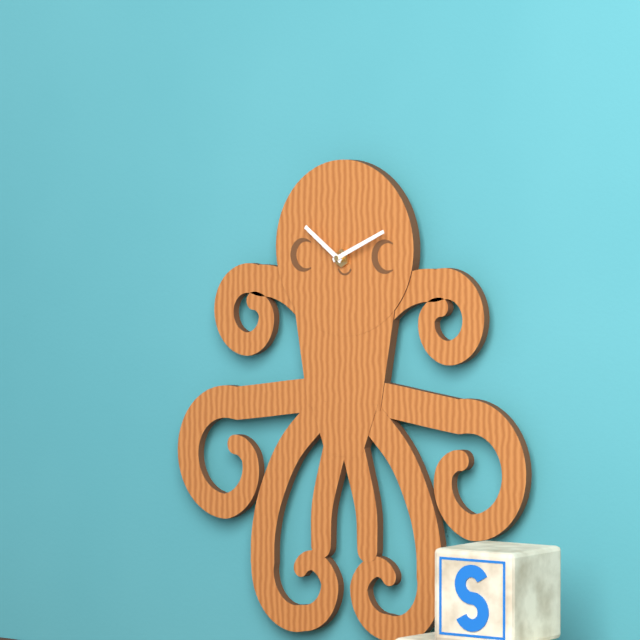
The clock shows 10:11
